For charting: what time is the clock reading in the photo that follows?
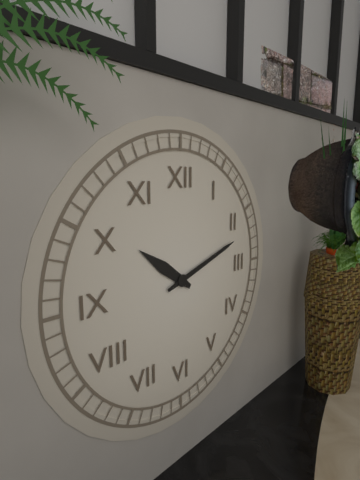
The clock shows 10:12
